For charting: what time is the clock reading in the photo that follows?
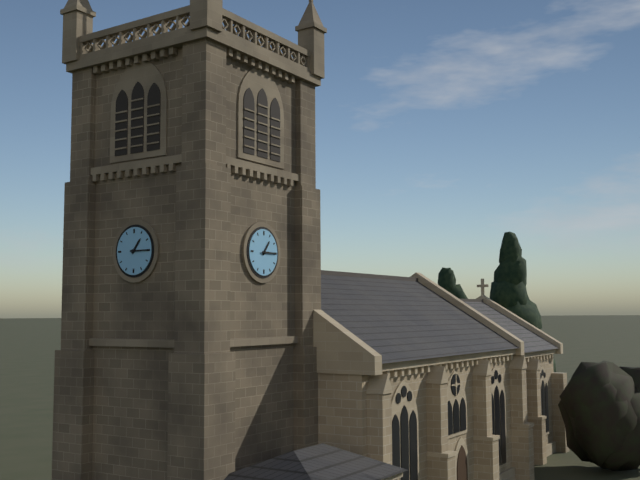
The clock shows 1:15
